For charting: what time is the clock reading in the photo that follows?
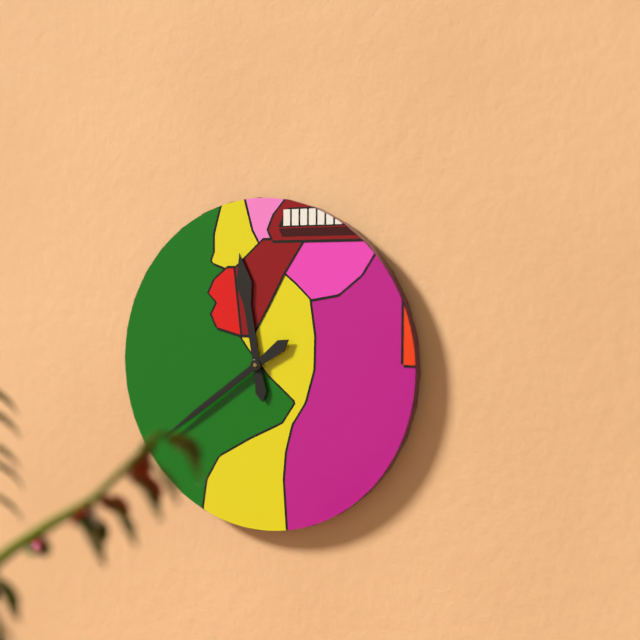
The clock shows 11:39
